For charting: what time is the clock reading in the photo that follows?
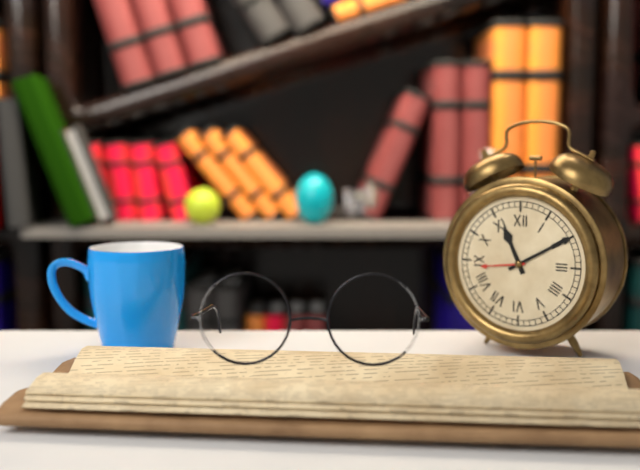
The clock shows 11:10
